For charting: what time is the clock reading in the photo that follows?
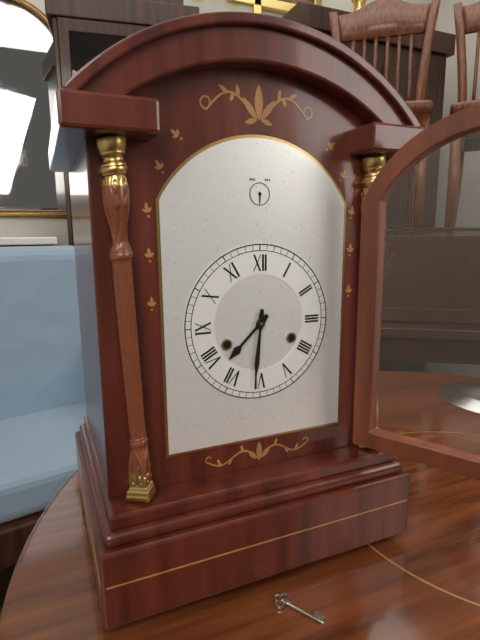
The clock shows 7:31
